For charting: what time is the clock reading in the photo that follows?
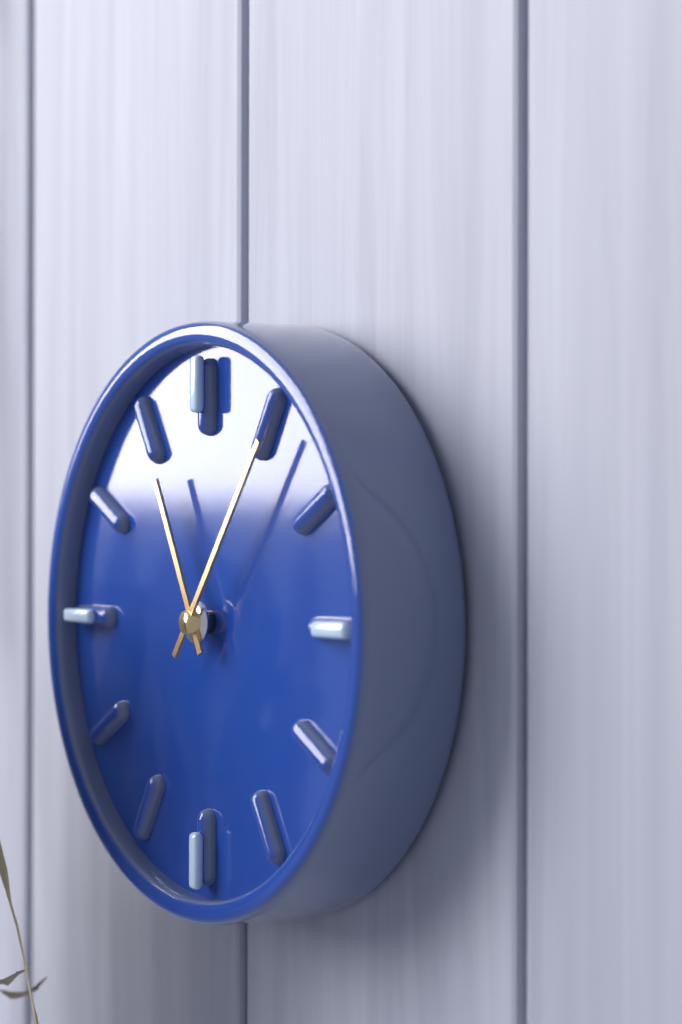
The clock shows 11:06
